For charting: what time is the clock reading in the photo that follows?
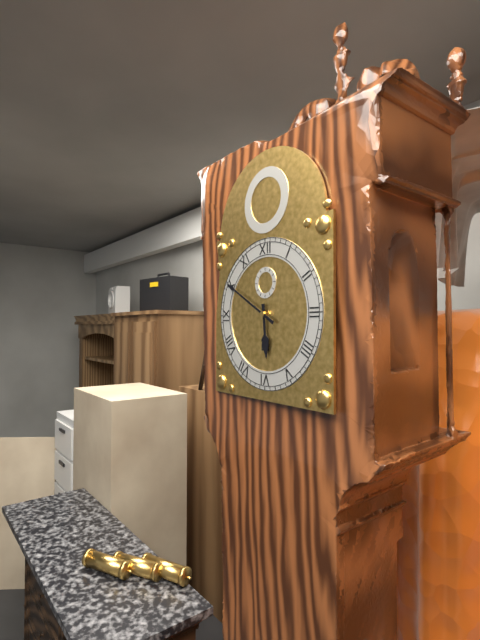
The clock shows 5:50
